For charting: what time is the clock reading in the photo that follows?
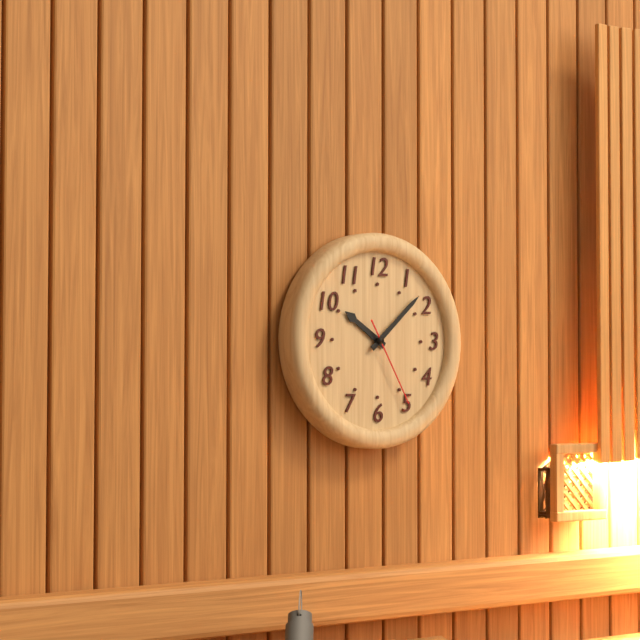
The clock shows 10:08:25
